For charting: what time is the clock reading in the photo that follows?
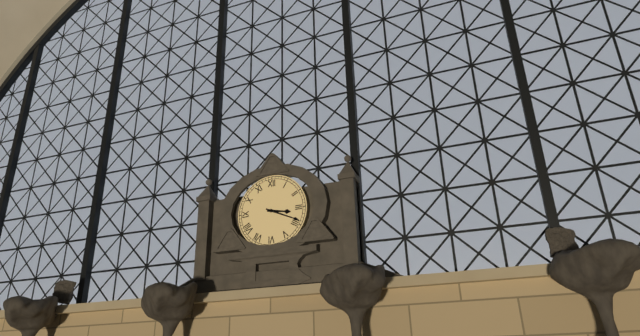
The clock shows 3:19
